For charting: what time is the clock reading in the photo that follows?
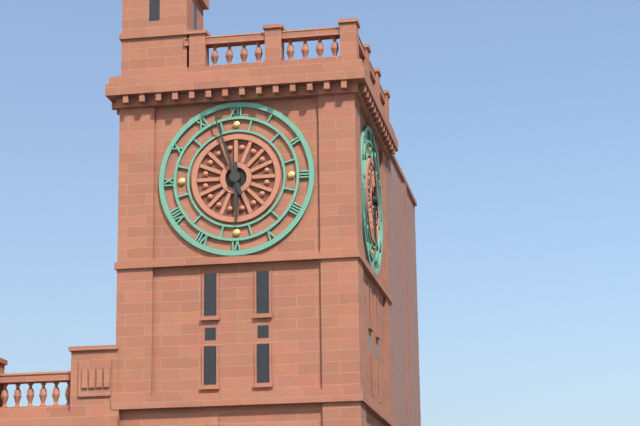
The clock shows 5:57
